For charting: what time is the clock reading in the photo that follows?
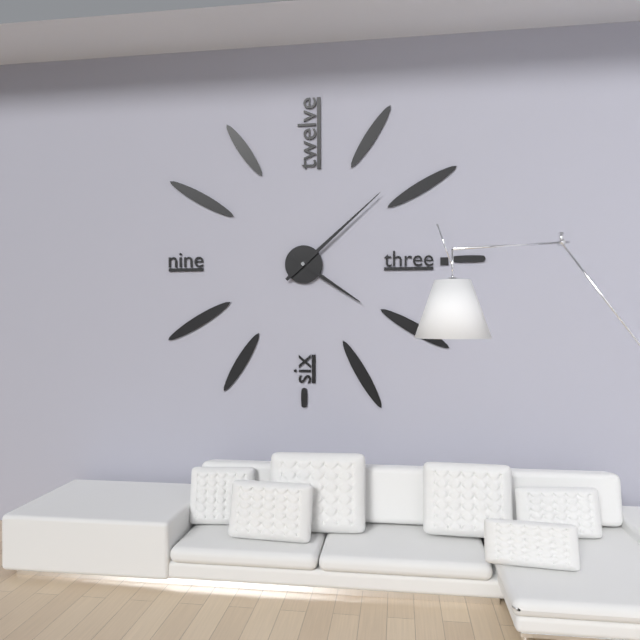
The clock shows 4:08
